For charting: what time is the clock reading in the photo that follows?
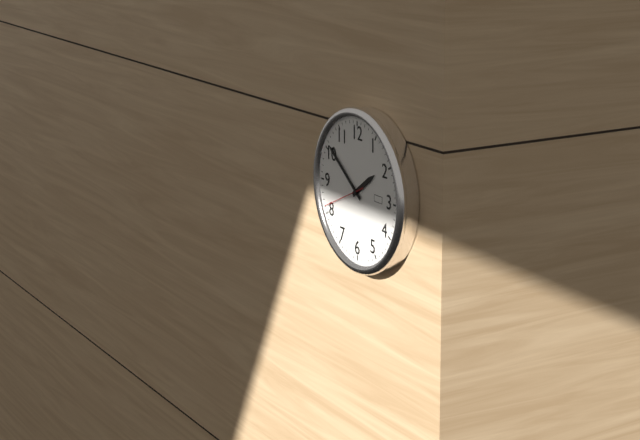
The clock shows 1:51:41
